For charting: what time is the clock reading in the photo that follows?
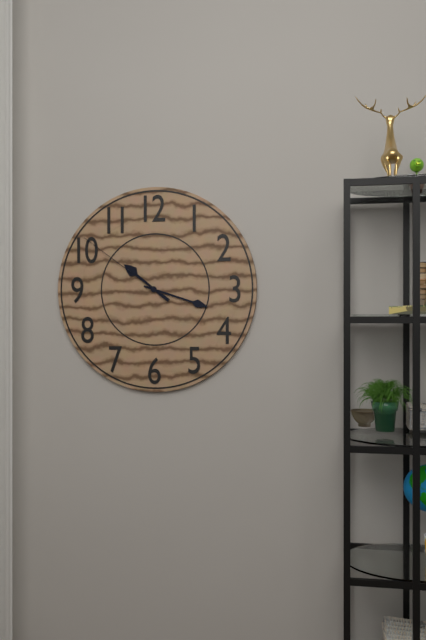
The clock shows 10:18:51
